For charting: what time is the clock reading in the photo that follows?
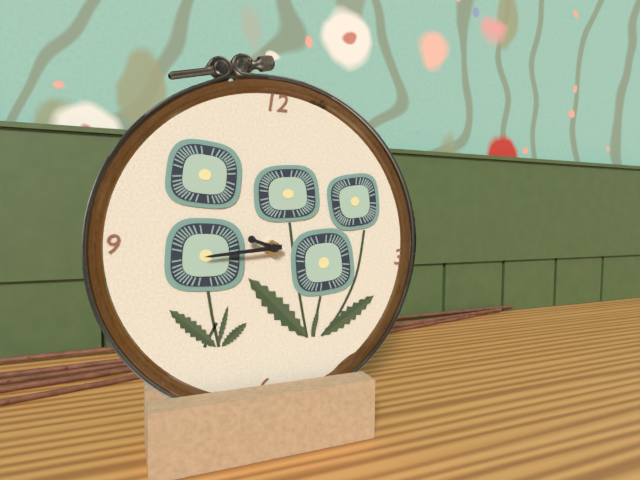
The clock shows 9:44
